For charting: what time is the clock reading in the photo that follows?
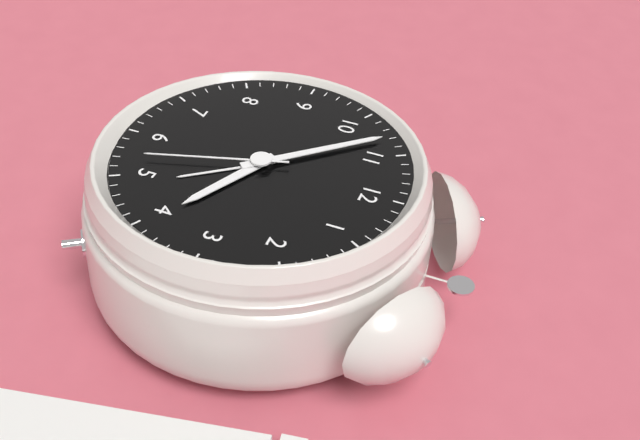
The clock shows 3:53:27
